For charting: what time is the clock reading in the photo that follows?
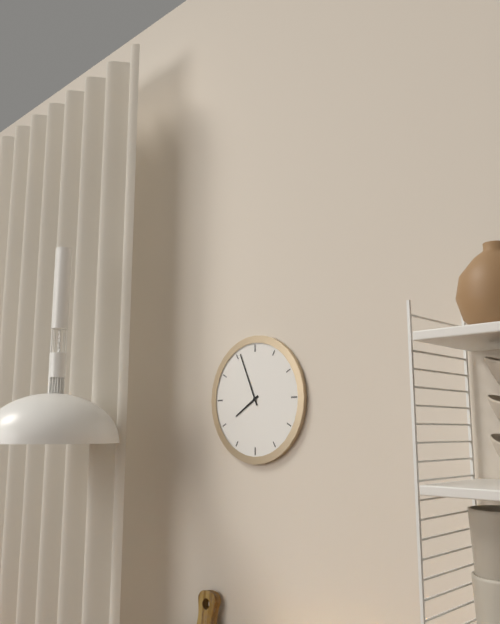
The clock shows 7:56
